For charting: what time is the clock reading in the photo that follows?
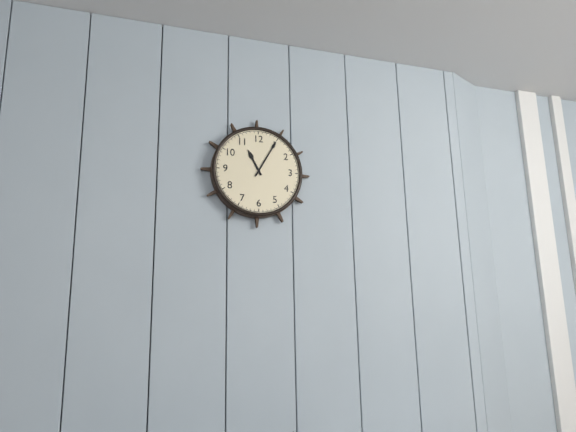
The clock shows 11:05
